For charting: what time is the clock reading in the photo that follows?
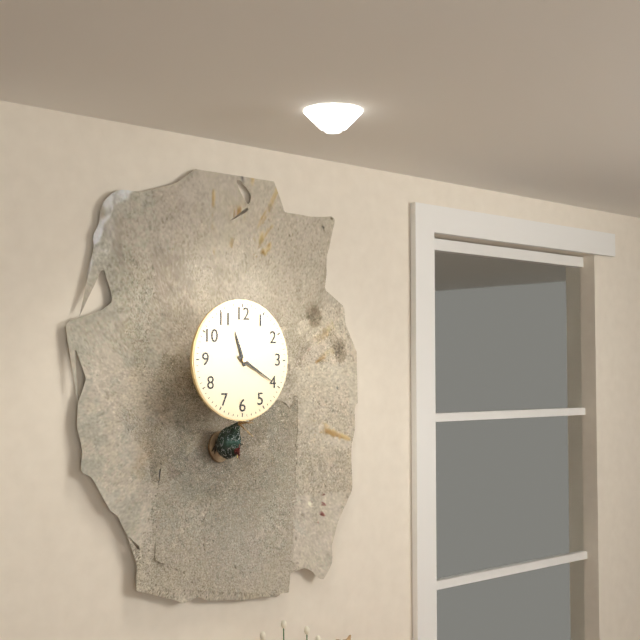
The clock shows 11:20
